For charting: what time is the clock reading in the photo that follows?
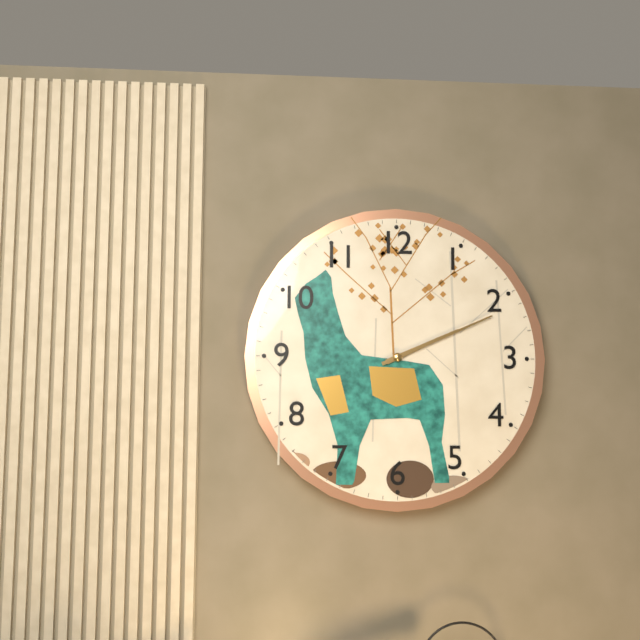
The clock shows 2:11
